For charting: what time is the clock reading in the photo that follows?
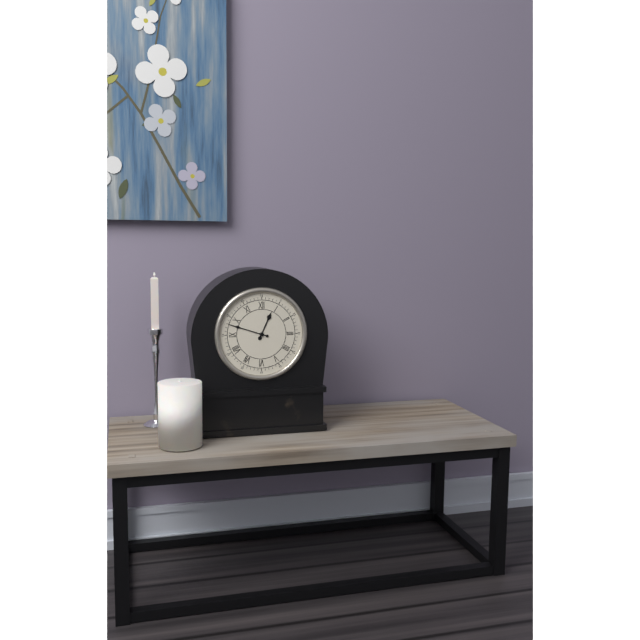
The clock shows 12:48
